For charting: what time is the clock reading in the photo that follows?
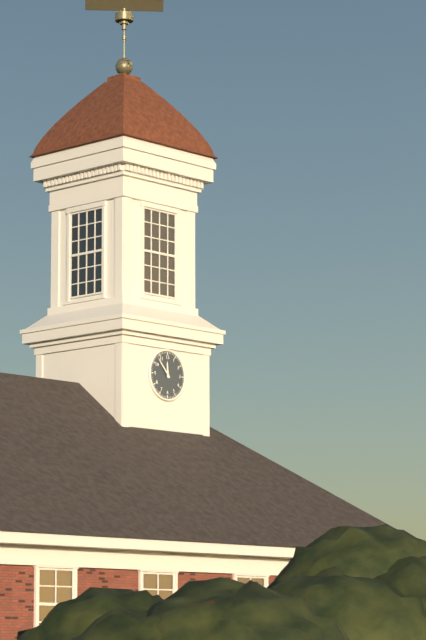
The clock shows 11:53
